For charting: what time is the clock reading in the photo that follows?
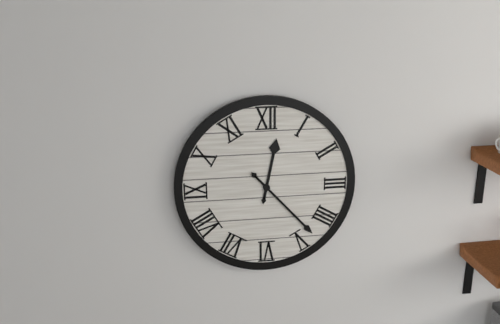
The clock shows 12:23
